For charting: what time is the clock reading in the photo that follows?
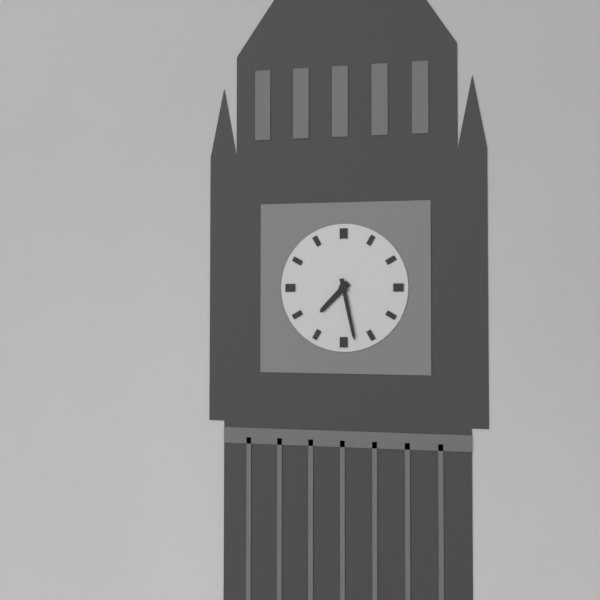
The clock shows 7:28
